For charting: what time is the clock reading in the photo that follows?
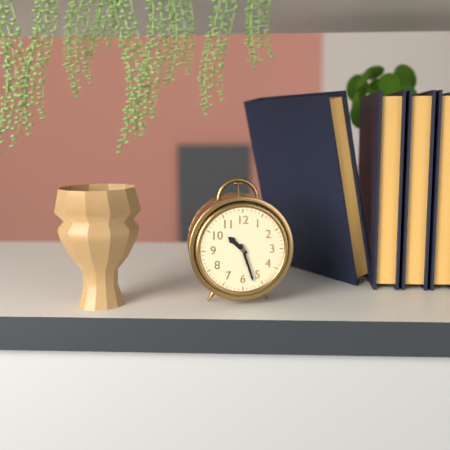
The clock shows 10:27
